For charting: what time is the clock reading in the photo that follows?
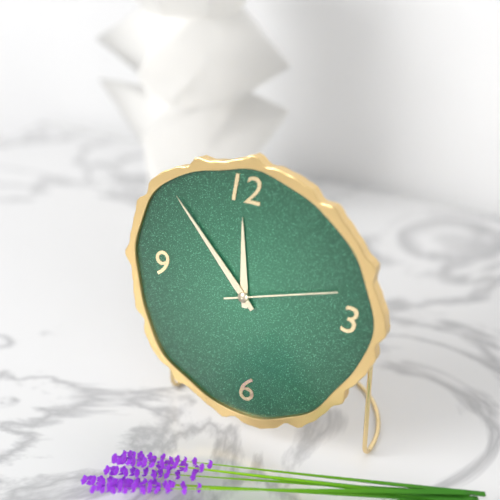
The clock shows 11:53:12
